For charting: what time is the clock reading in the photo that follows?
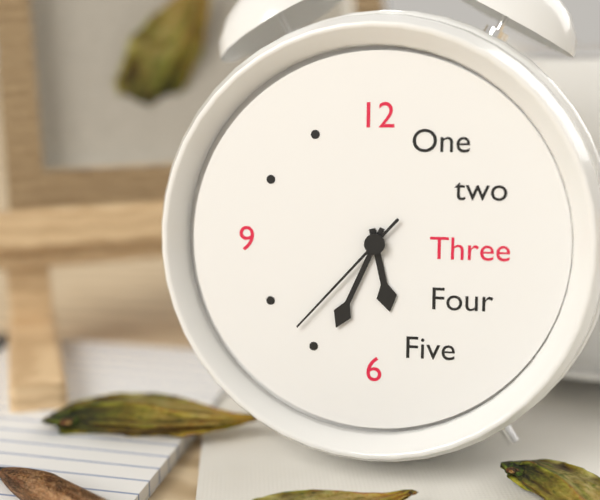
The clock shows 5:34:37
